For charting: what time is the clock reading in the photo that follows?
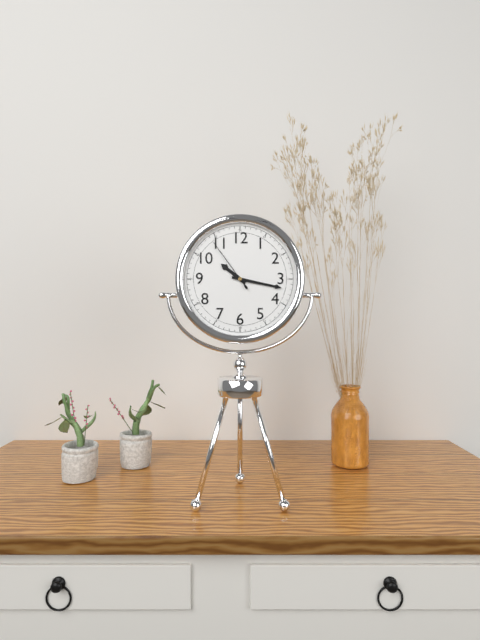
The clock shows 10:17:54
